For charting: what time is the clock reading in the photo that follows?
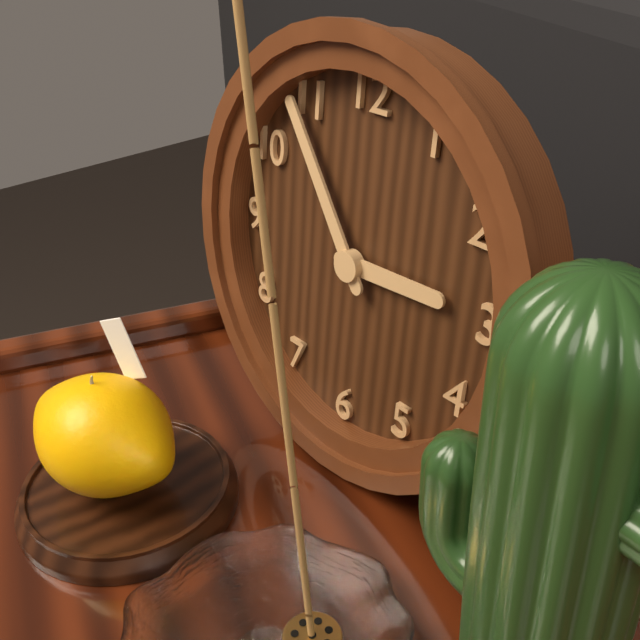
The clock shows 2:54
